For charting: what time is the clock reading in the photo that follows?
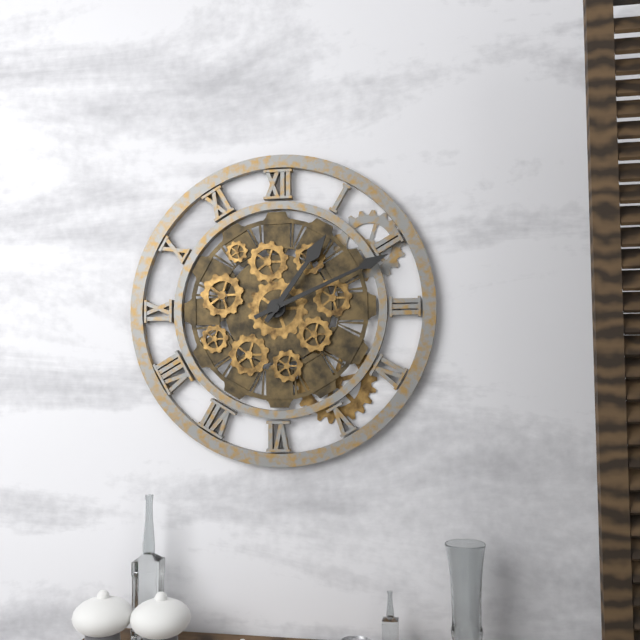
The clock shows 1:11
